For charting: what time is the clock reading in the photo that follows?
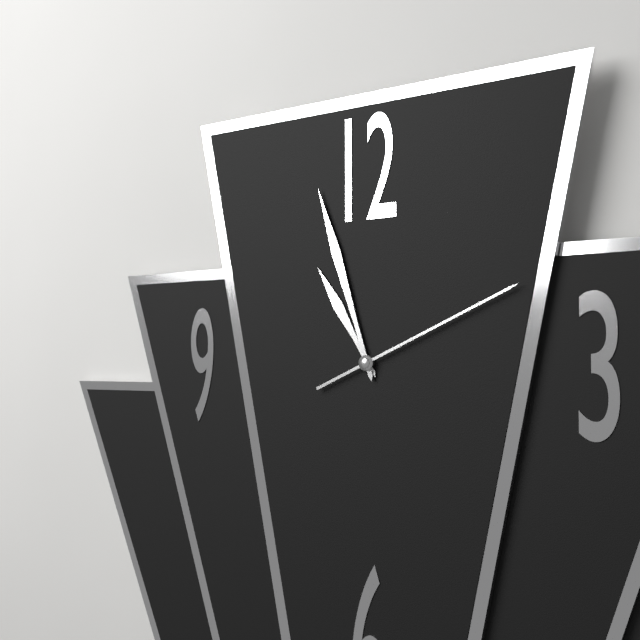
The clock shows 10:57:11
